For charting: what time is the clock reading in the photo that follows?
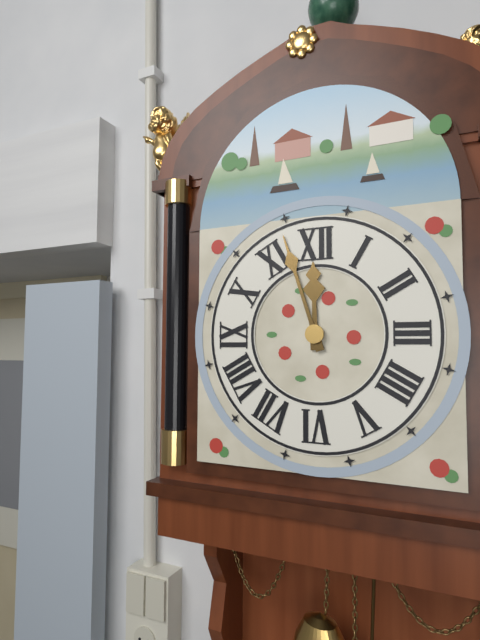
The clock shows 11:57
